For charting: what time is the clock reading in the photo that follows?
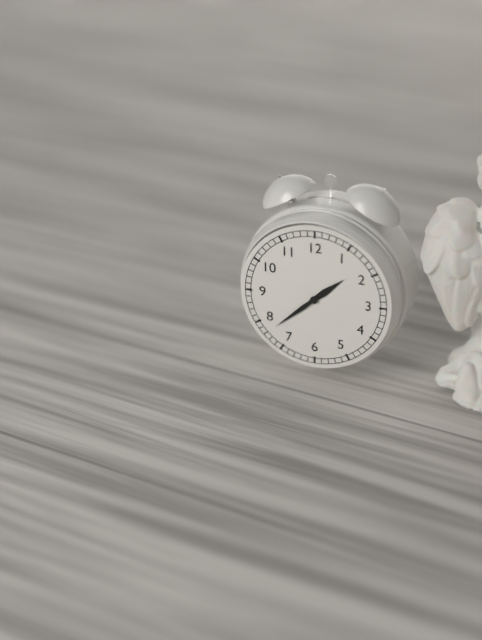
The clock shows 1:38
